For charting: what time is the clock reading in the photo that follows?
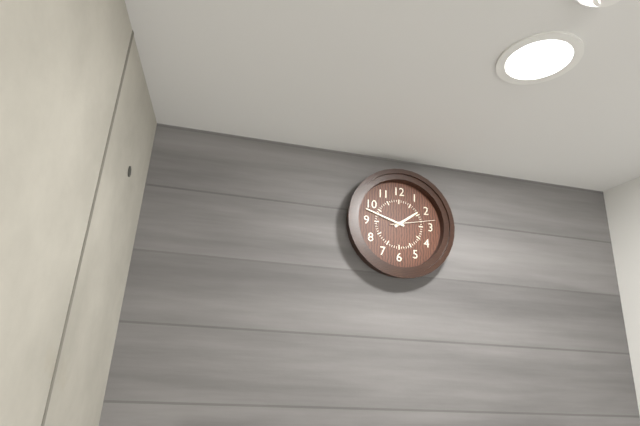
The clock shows 1:48
